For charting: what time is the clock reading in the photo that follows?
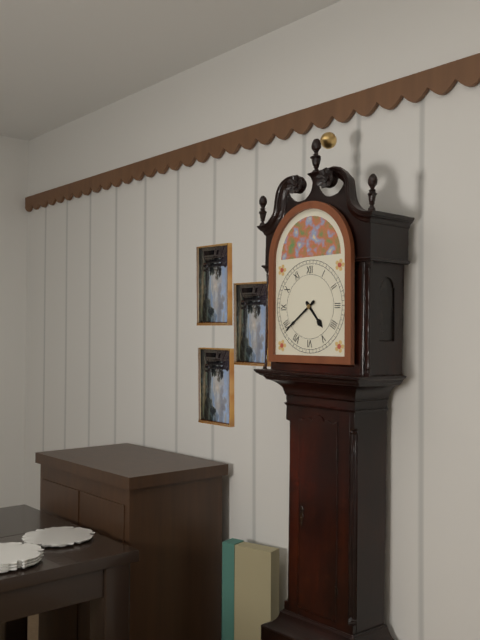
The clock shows 4:39
